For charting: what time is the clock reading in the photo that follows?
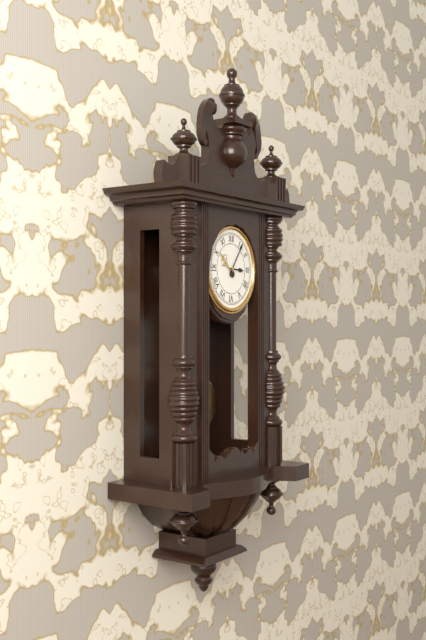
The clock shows 3:06
